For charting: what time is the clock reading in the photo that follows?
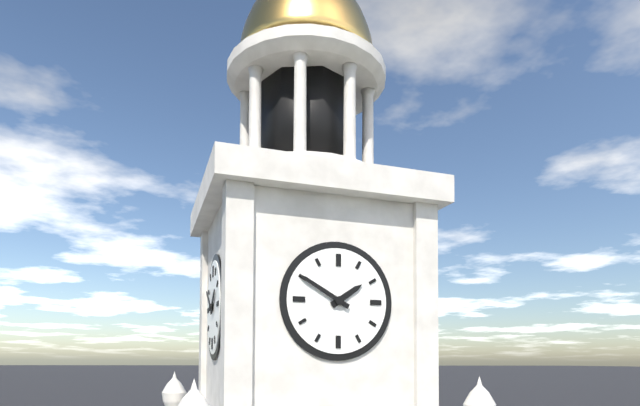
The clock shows 1:50
